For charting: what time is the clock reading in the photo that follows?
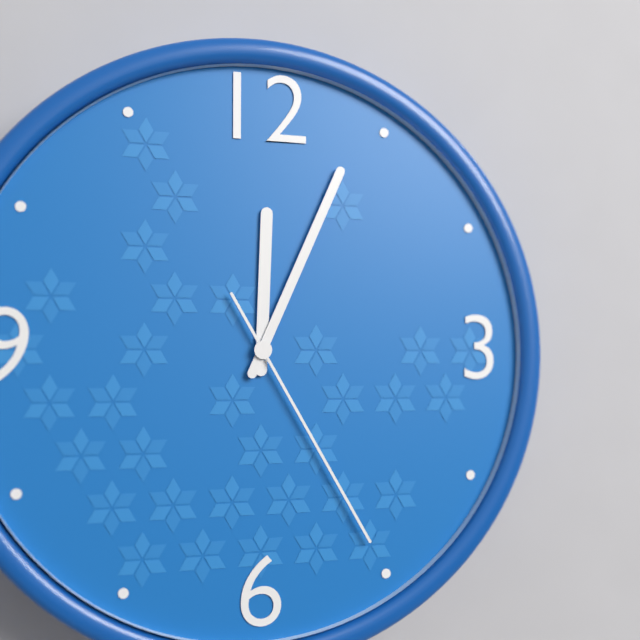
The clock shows 12:04:25
